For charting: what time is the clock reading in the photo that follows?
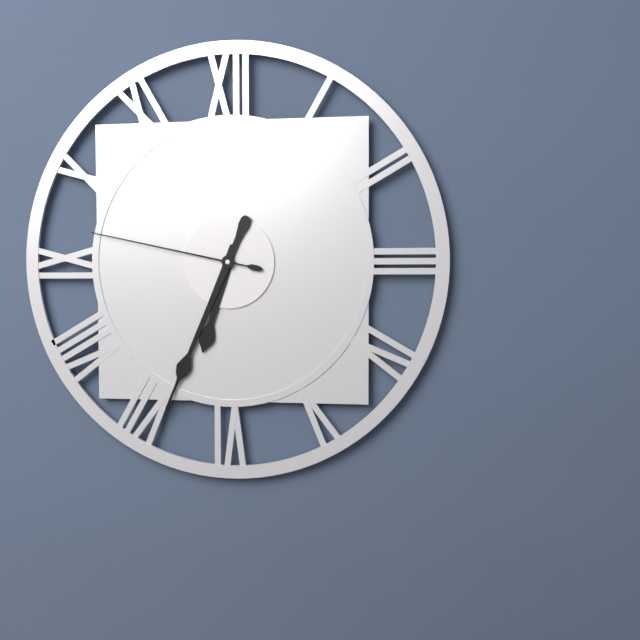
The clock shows 6:34:47
